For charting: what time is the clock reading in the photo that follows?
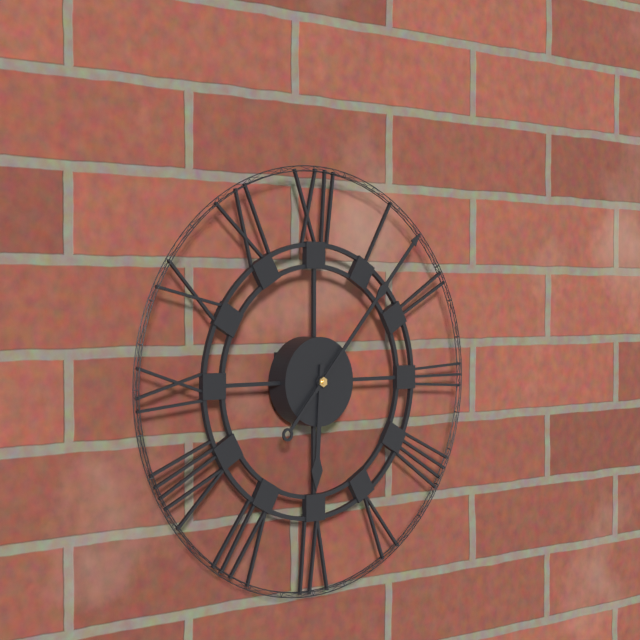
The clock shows 6:07
